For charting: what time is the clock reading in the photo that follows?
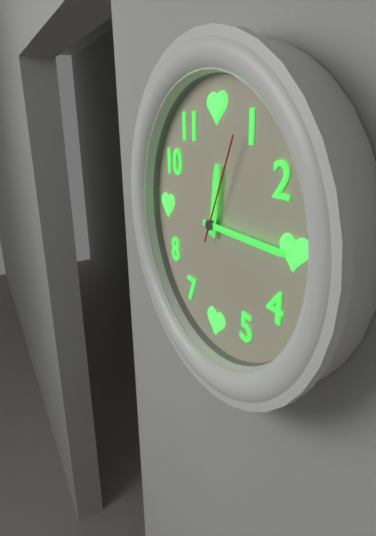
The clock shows 12:15:04
